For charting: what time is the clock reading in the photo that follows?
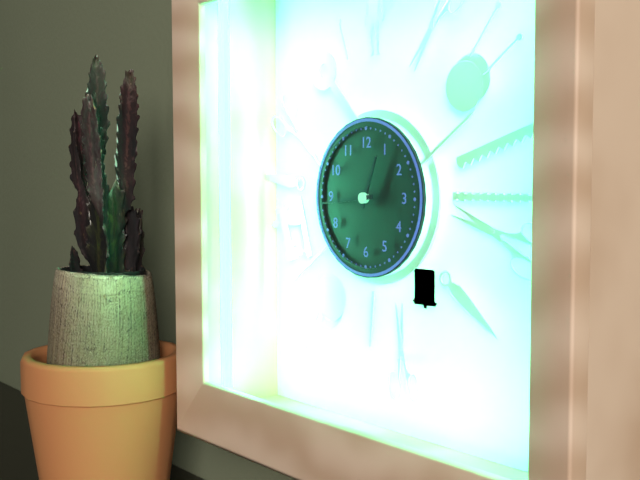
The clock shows 12:44
